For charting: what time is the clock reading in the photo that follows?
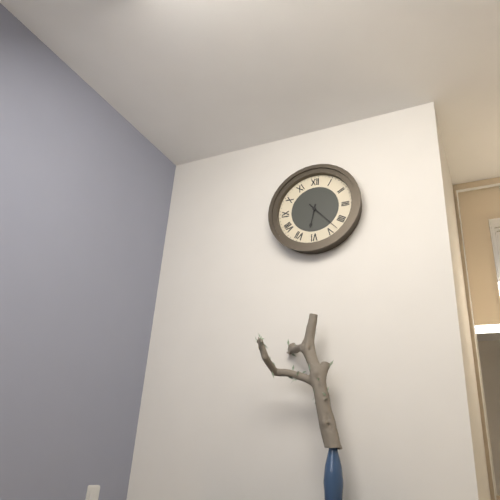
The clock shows 6:23
